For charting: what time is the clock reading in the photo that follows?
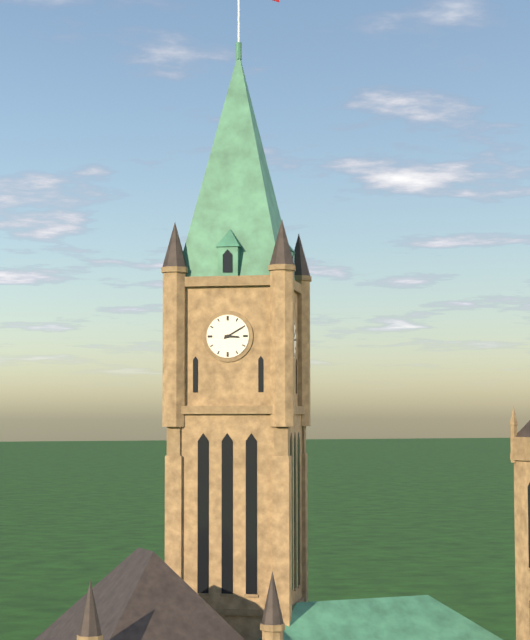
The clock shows 3:10
